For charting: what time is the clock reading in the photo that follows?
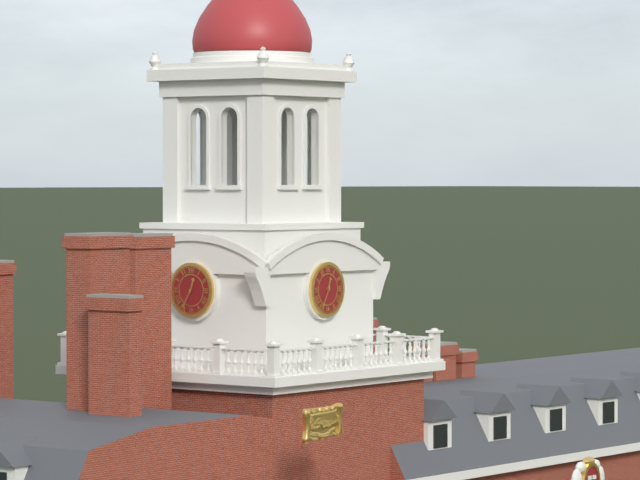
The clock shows 12:35
